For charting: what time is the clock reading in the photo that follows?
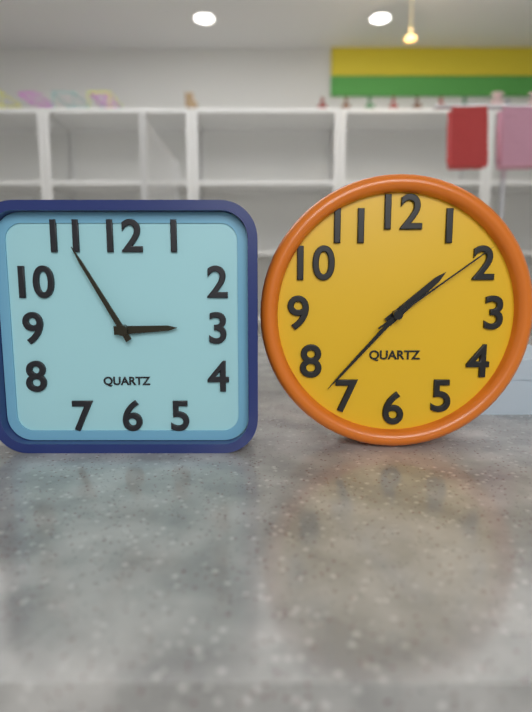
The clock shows 2:55
